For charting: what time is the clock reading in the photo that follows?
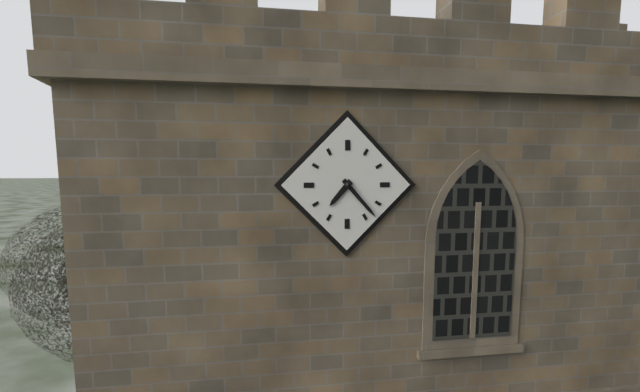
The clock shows 7:23
